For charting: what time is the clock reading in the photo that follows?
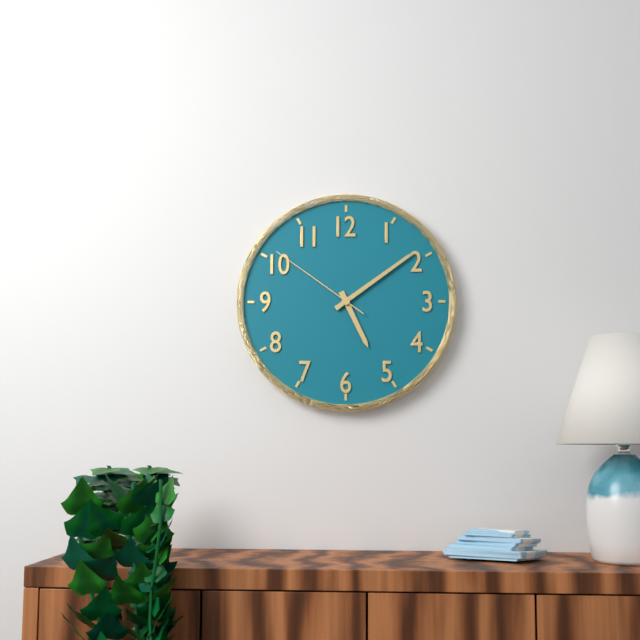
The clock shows 5:09:51
